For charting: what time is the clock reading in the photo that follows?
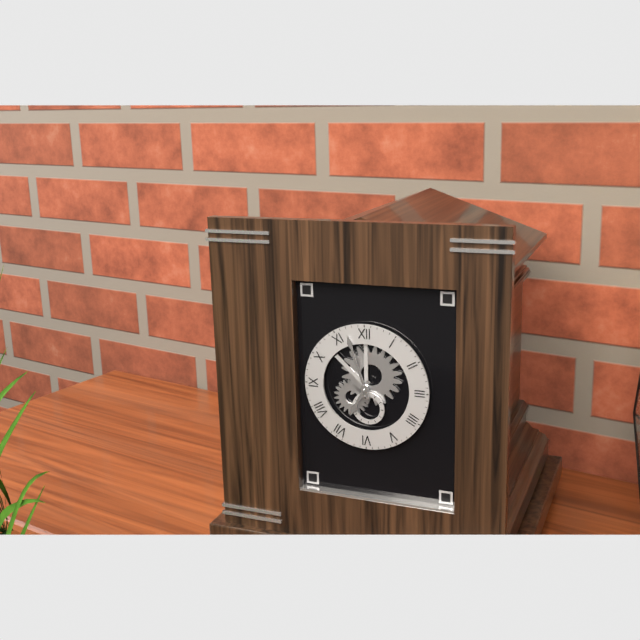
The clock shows 6:57
